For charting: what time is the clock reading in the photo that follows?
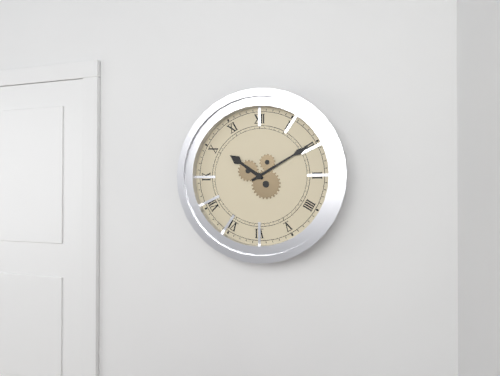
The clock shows 10:10
